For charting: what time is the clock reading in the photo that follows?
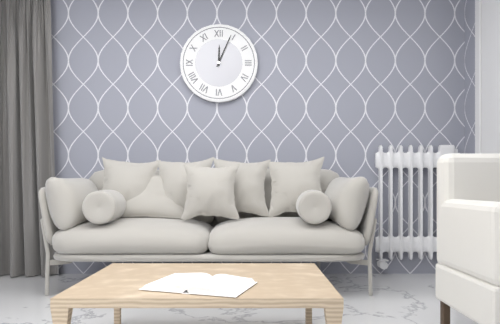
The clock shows 12:04
